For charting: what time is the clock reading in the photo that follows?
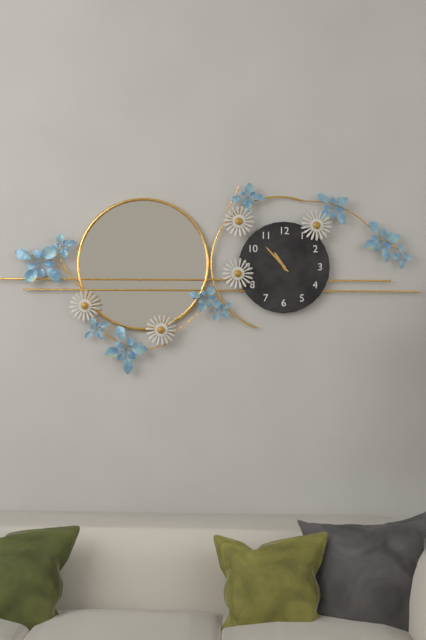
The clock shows 10:53
